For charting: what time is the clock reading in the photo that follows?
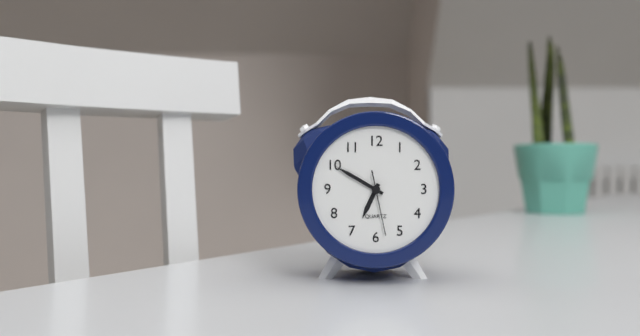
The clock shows 6:50:28
